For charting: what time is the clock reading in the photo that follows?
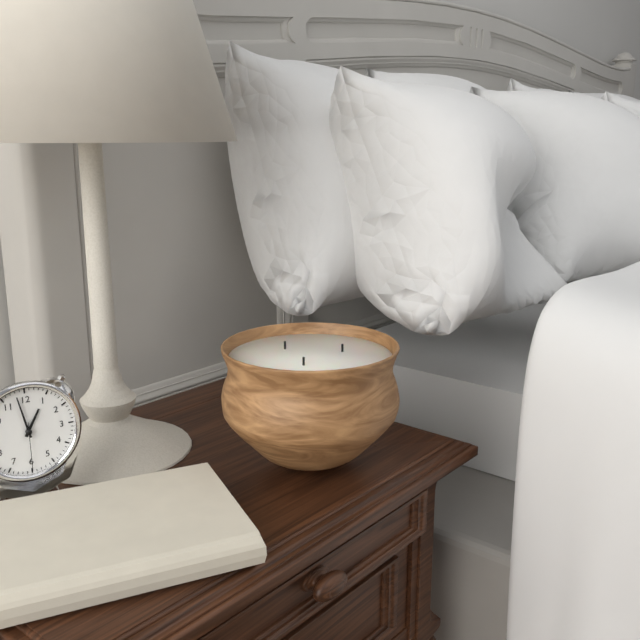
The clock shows 12:58:30
